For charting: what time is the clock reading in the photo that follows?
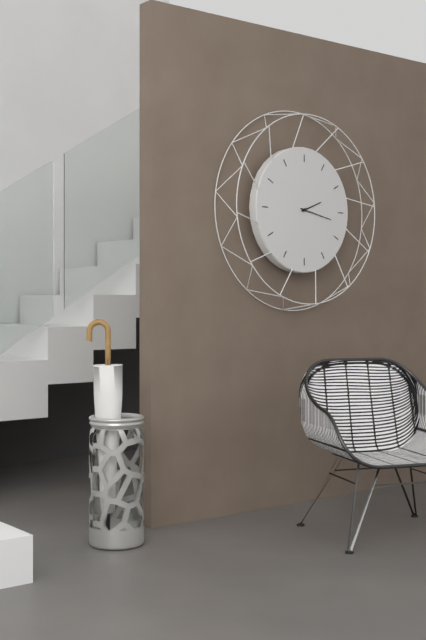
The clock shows 2:17
